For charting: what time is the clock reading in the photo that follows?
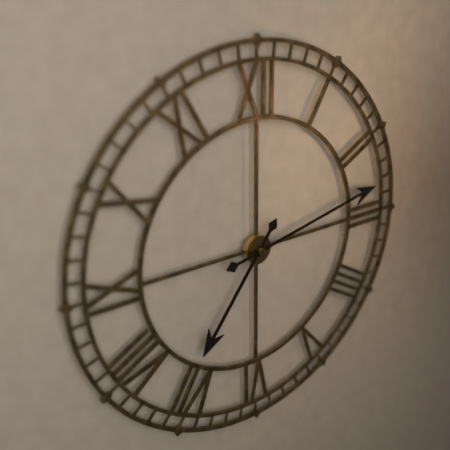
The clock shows 7:13
